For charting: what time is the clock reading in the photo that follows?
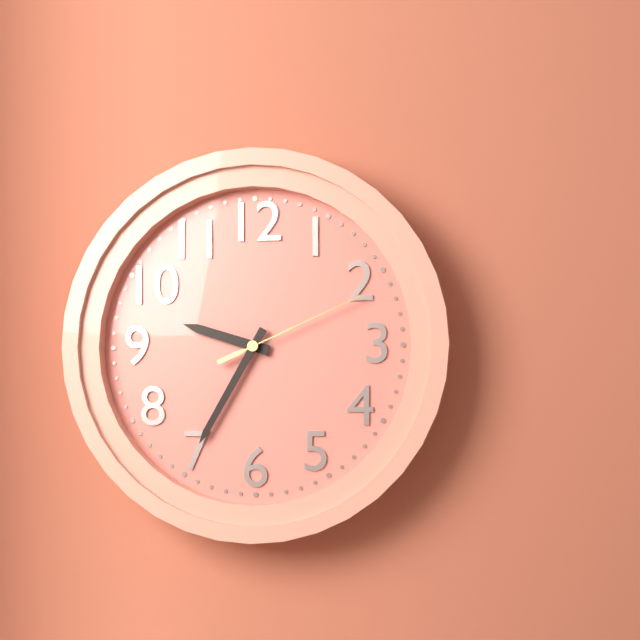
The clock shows 9:35:11
